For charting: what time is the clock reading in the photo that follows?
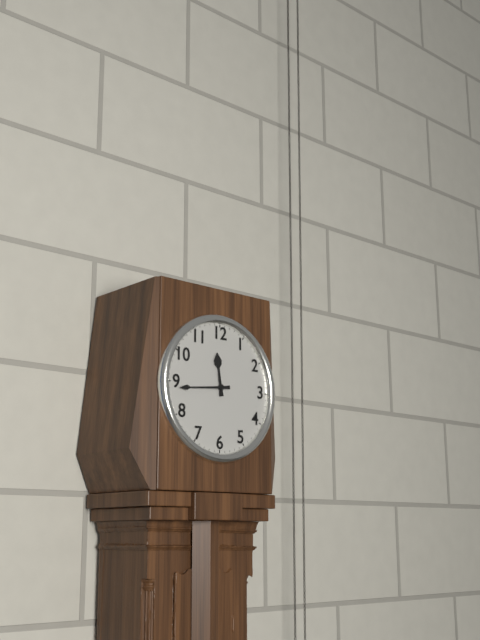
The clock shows 11:44
